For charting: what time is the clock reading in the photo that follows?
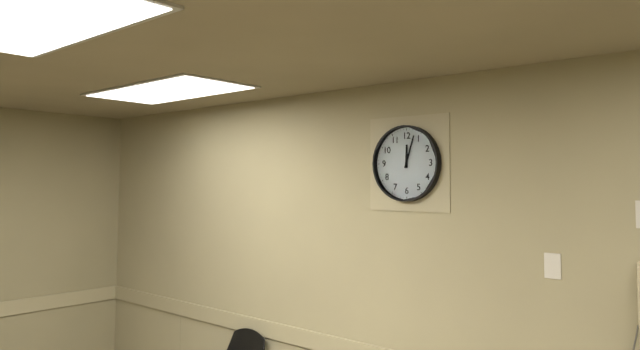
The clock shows 12:03
